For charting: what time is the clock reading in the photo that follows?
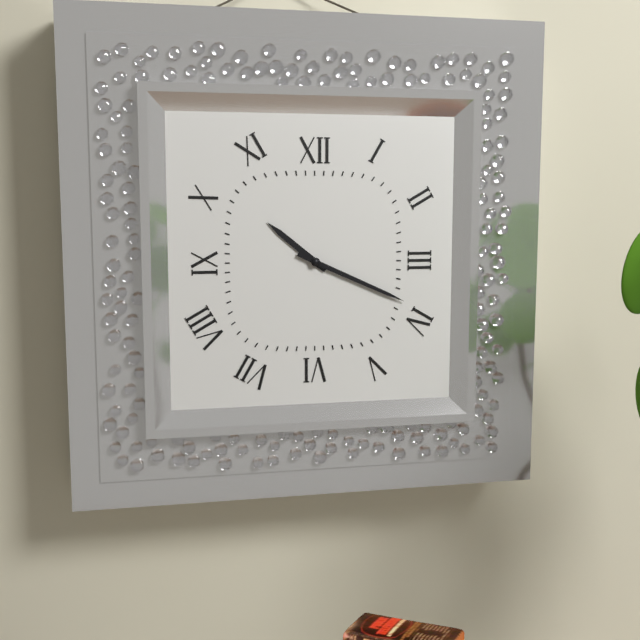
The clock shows 10:19
